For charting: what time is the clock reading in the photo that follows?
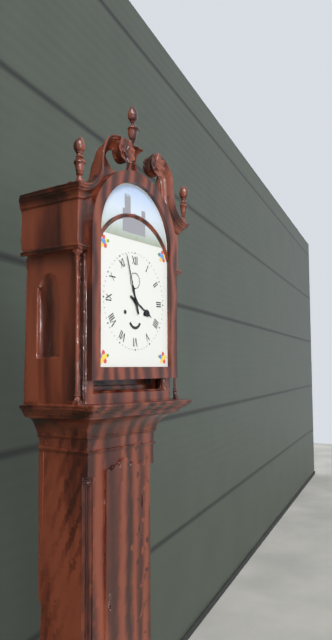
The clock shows 3:57
